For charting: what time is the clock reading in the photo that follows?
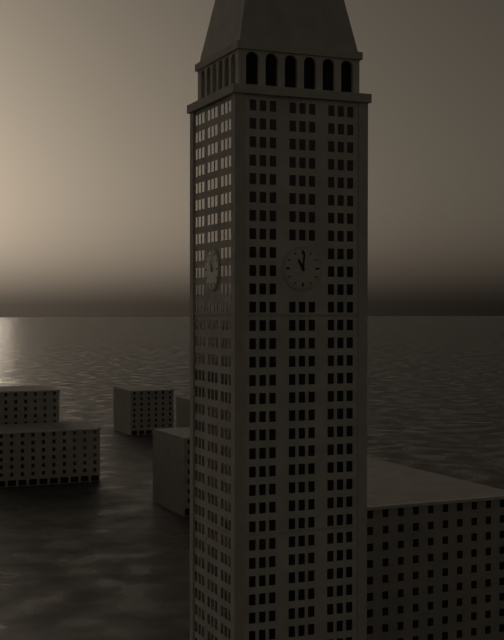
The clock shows 11:01
